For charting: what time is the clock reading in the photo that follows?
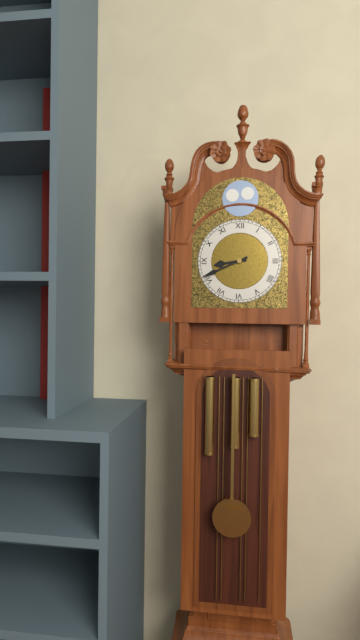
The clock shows 8:41
